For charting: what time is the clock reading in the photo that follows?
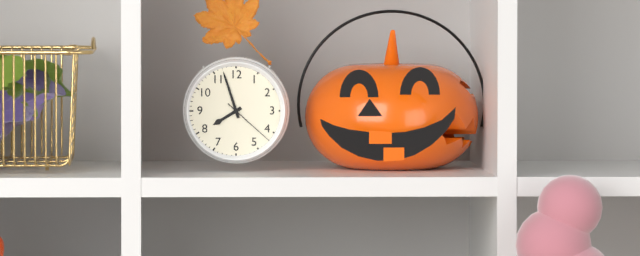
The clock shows 7:57:22
